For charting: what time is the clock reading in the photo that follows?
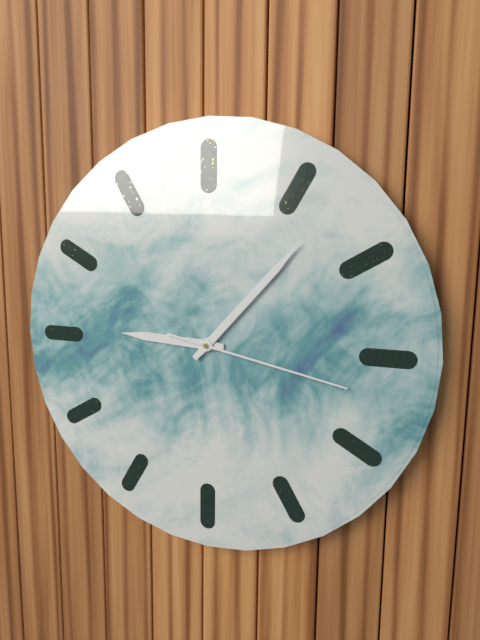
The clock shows 9:07:17
